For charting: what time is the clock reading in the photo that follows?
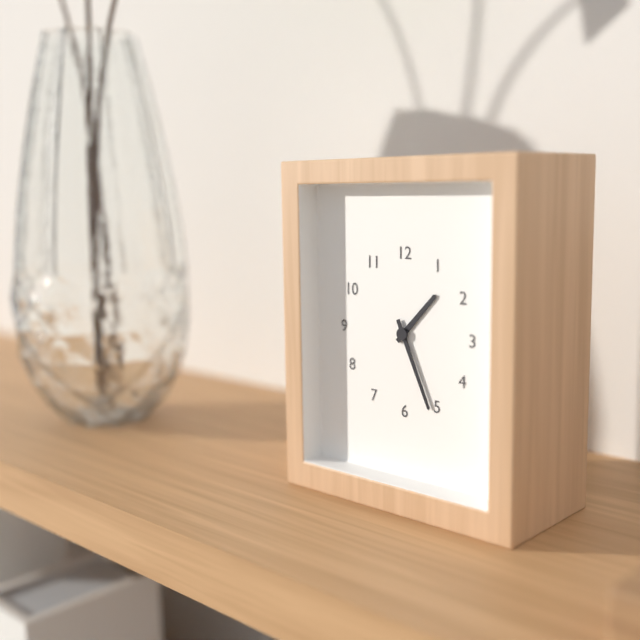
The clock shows 1:26
